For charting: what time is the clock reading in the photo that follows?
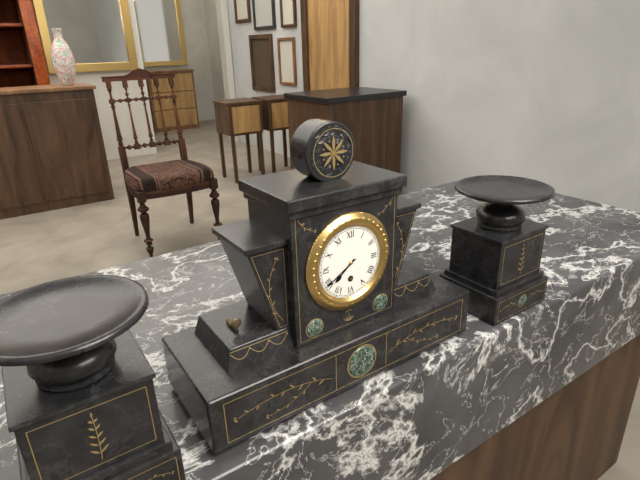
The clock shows 7:40
